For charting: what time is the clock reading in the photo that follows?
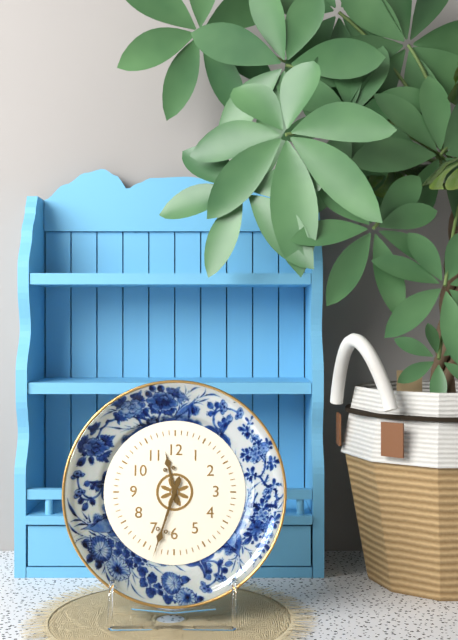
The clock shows 11:33
